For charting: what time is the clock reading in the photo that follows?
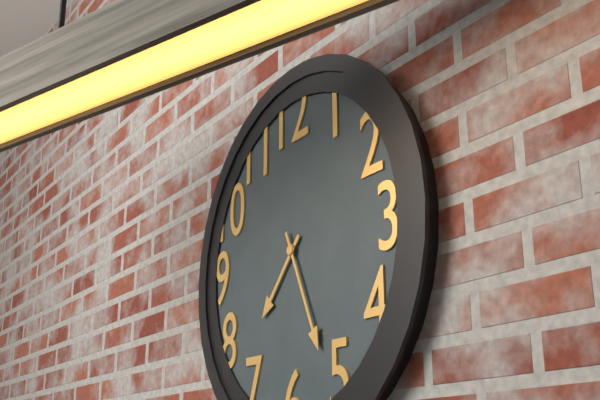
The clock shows 7:26
